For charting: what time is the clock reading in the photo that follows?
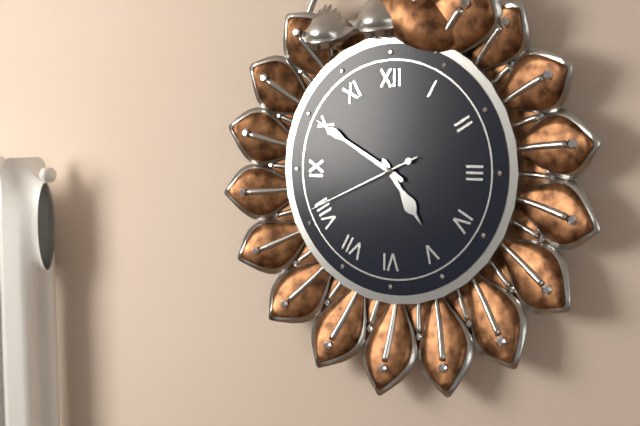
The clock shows 4:50:41
